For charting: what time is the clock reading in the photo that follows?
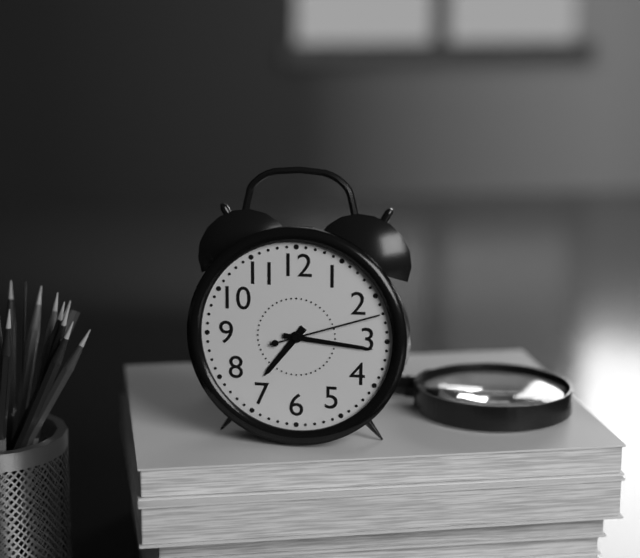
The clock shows 7:16:12
